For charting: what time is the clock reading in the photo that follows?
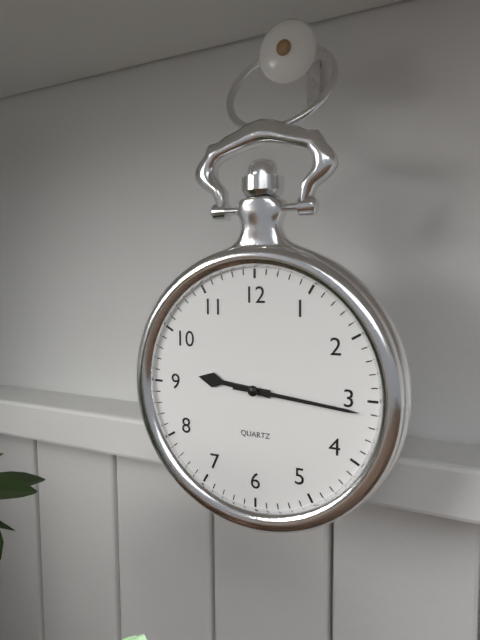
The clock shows 9:16
